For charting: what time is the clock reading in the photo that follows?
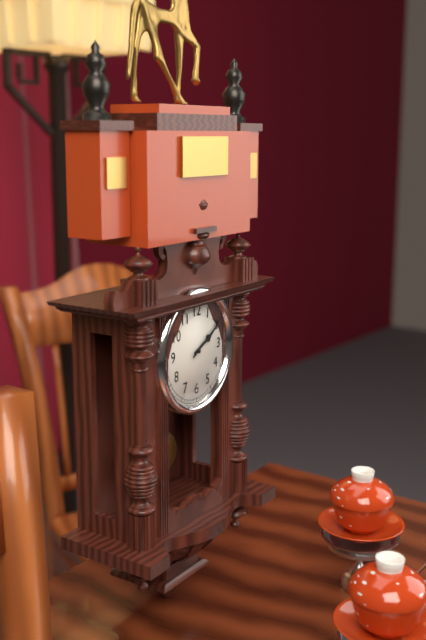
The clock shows 2:10
